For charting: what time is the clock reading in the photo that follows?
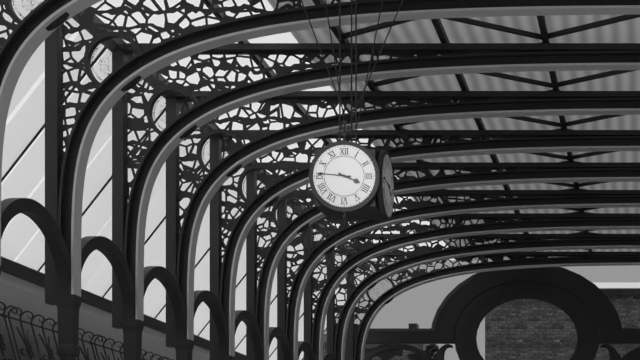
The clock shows 3:46
